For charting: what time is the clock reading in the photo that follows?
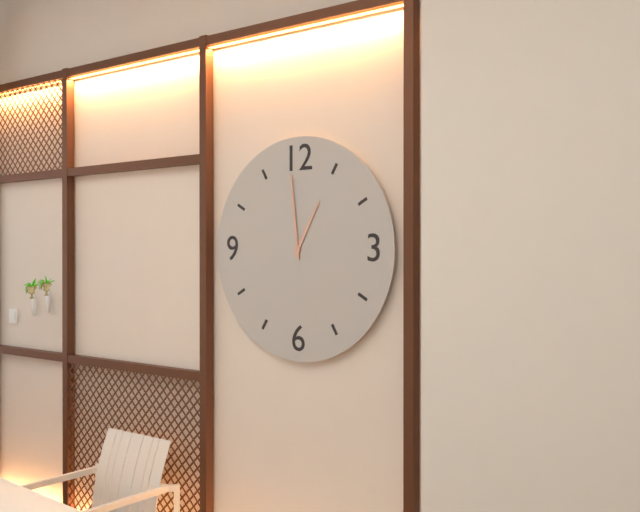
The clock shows 12:59
